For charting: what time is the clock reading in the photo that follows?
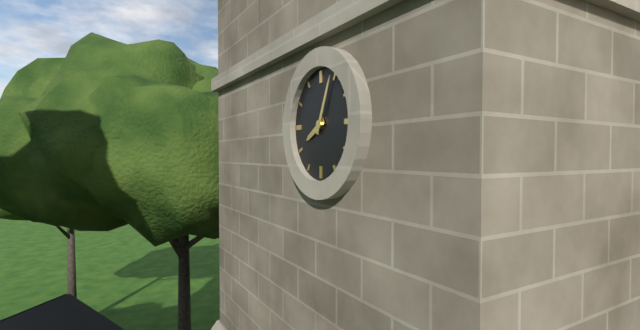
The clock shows 8:04
